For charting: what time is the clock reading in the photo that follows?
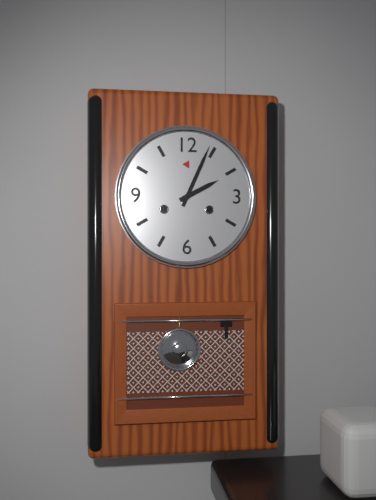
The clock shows 2:04
